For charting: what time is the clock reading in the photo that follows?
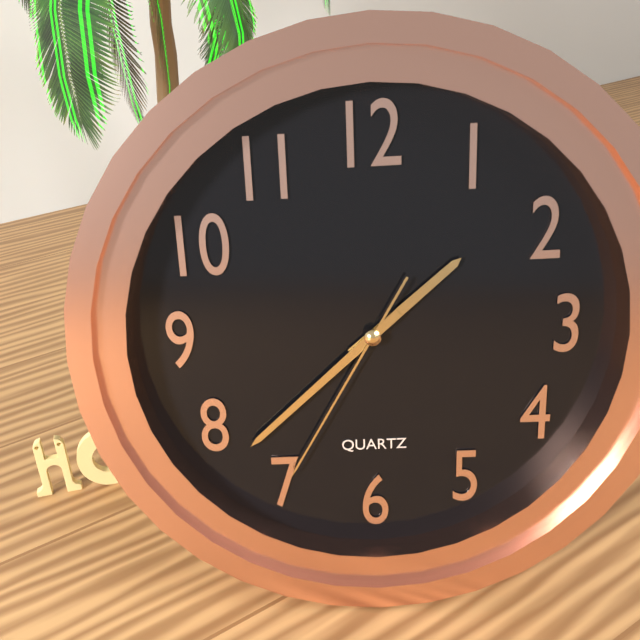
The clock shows 1:38:35
